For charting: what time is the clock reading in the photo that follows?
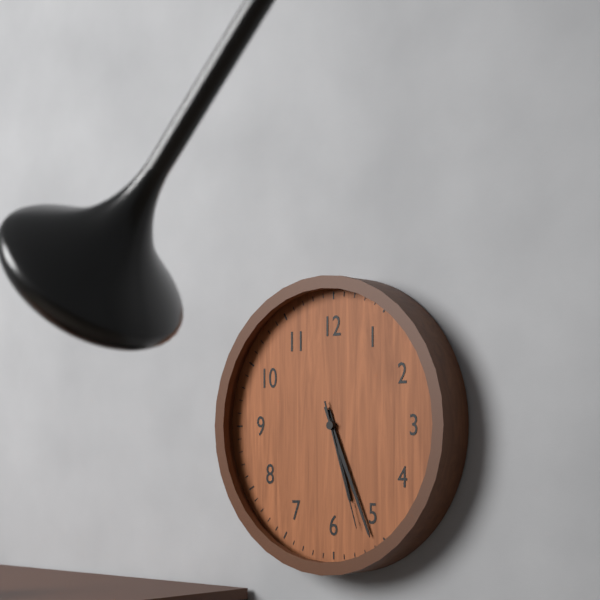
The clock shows 5:26:27
